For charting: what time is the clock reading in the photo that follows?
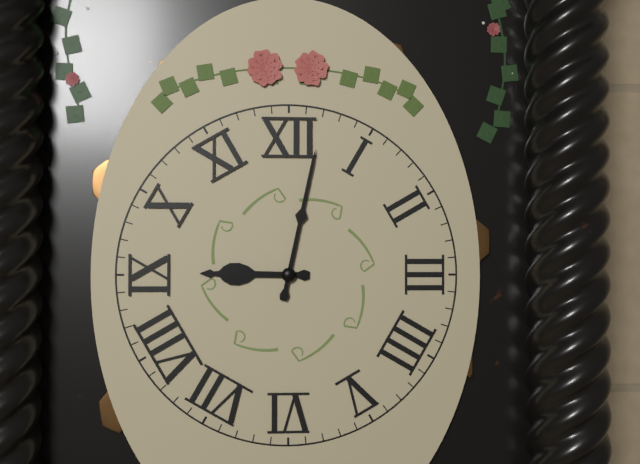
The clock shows 9:02
